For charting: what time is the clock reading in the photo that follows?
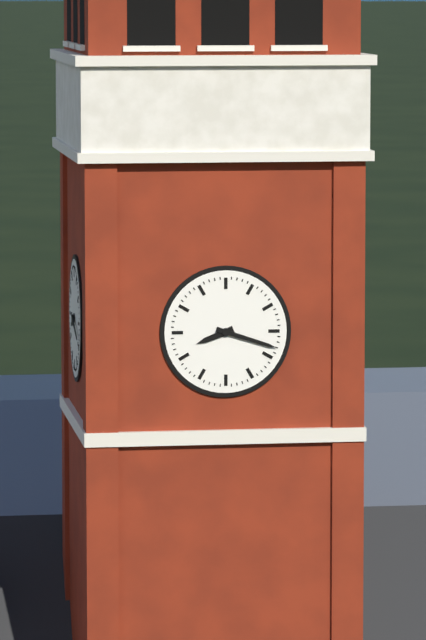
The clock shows 8:18
